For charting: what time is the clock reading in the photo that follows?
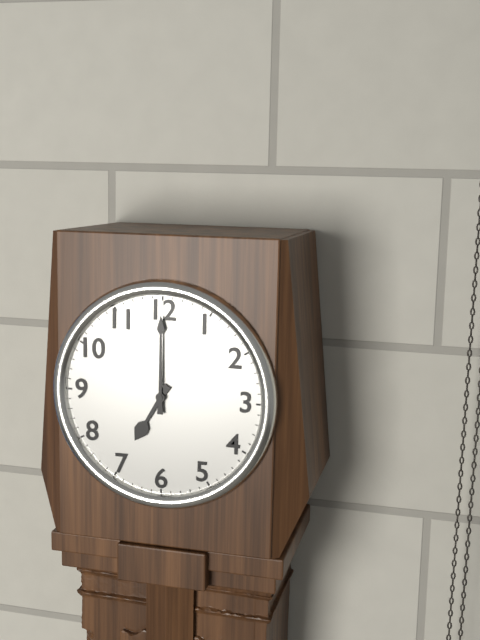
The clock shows 7:00
